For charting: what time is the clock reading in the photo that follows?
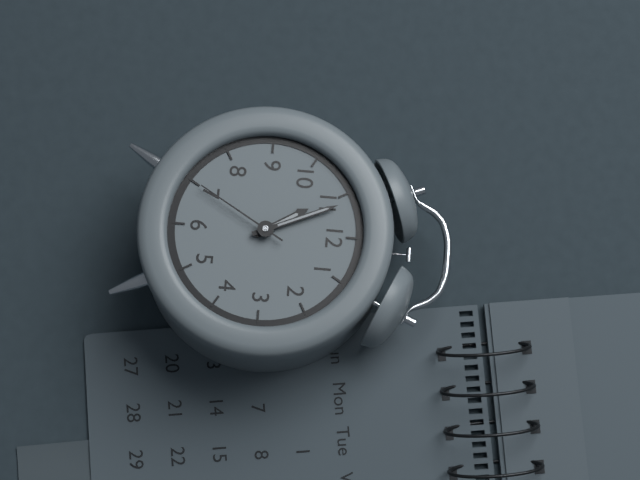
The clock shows 10:56:35
